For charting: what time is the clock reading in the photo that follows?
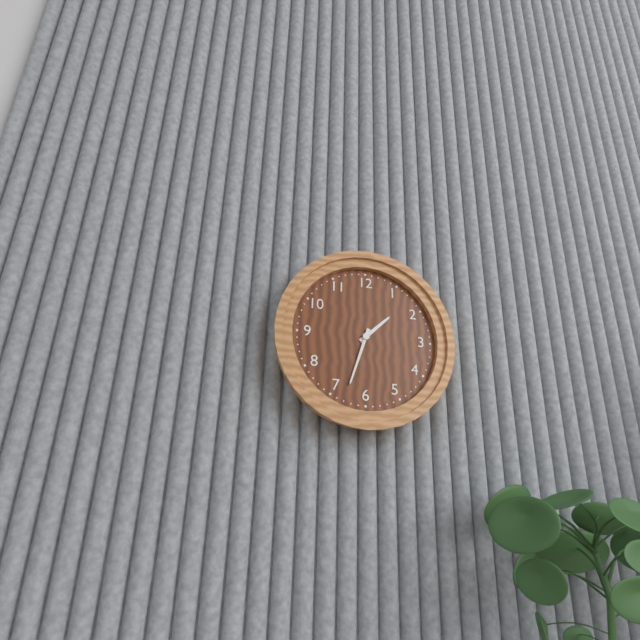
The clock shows 1:33
